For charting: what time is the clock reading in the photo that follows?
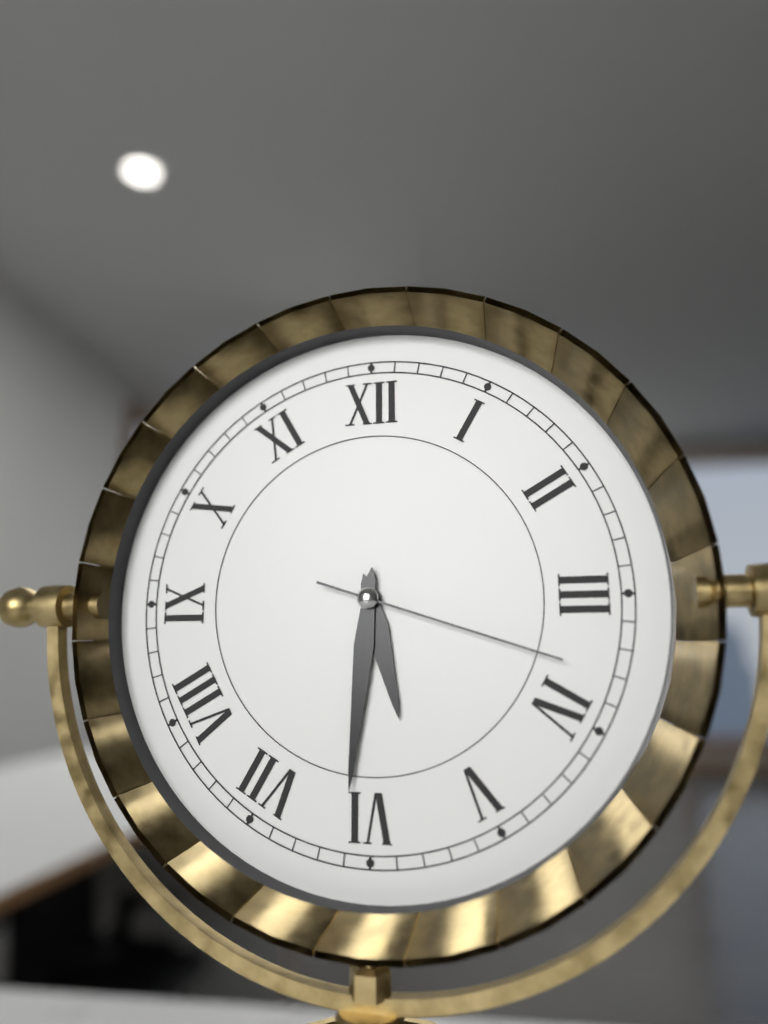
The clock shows 5:31:18
